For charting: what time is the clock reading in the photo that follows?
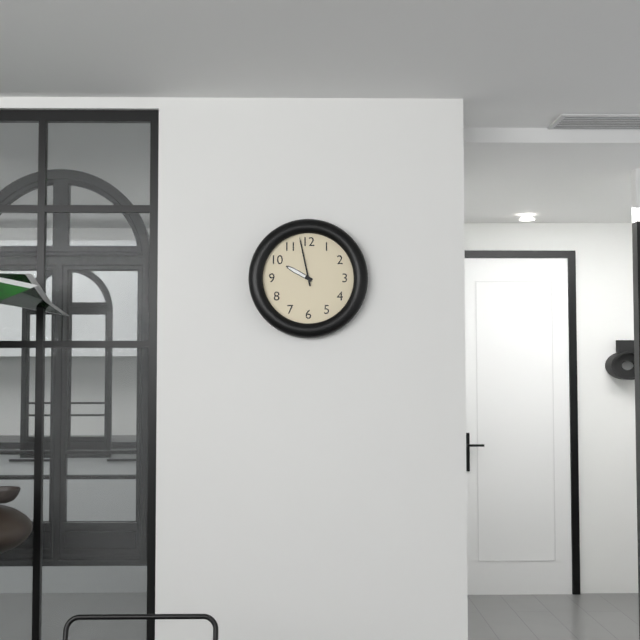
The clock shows 9:58
